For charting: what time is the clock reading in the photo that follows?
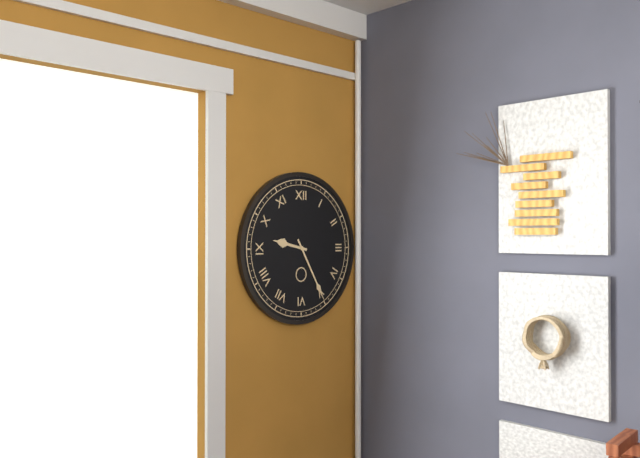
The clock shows 9:25
